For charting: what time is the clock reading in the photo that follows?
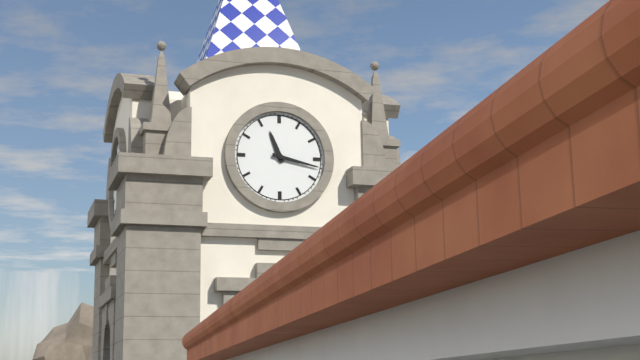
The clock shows 11:17
